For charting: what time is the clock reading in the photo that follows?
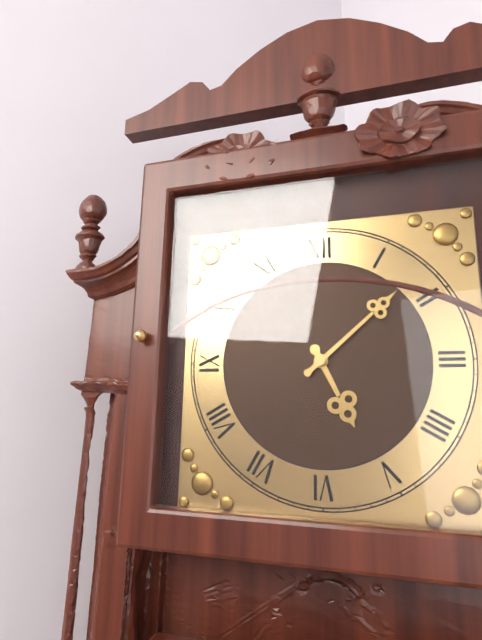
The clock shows 5:08
